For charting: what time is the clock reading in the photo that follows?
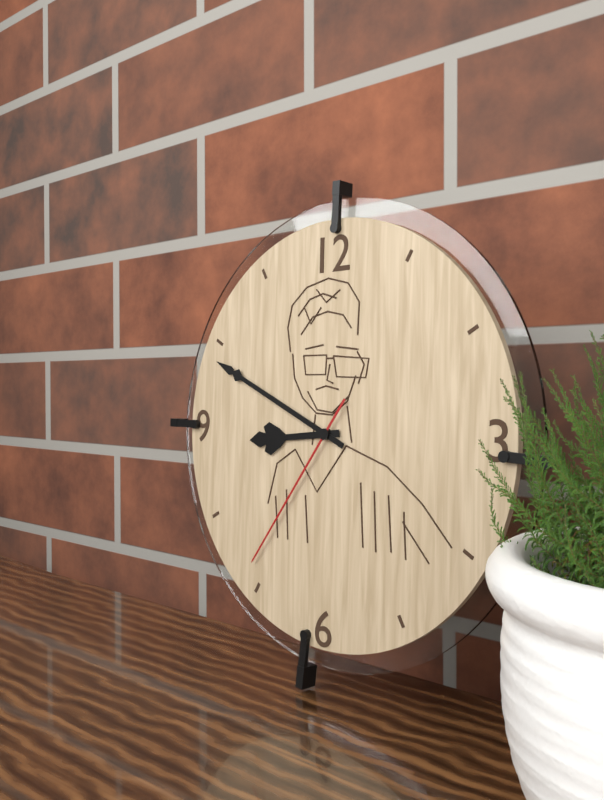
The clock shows 8:49:36
